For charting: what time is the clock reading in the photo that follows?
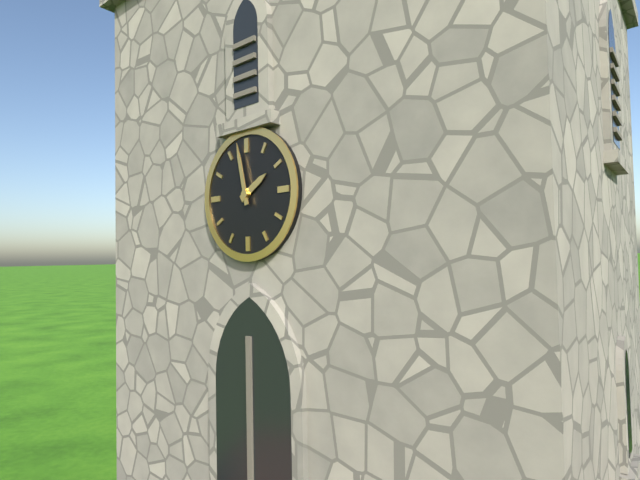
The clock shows 1:58
